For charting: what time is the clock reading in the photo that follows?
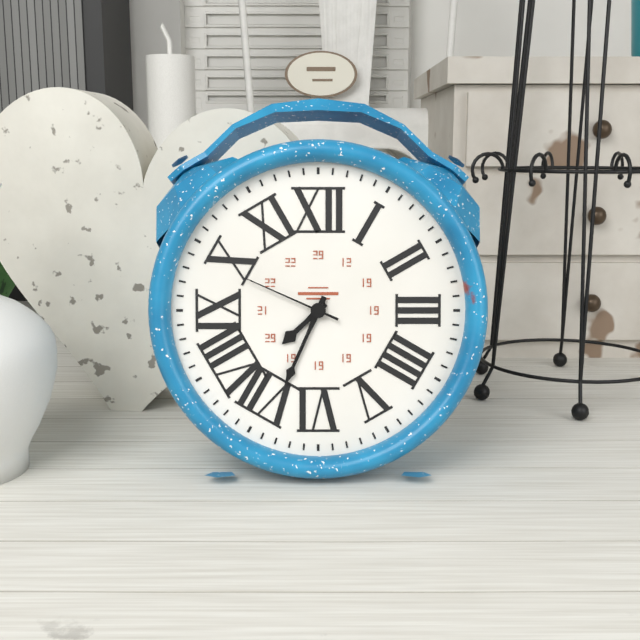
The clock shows 7:34:49
